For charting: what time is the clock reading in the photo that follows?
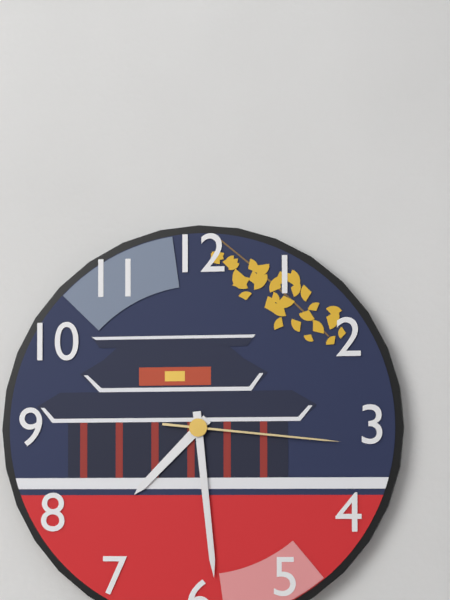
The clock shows 7:29:16
